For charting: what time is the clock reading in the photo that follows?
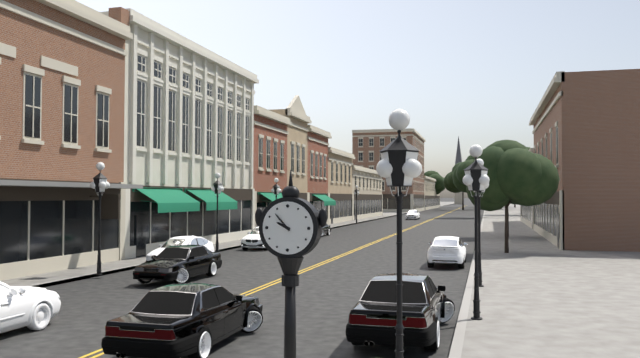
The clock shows 9:53
